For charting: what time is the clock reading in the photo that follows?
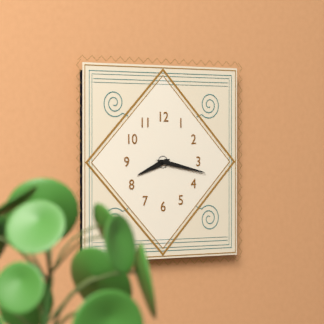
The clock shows 8:17
